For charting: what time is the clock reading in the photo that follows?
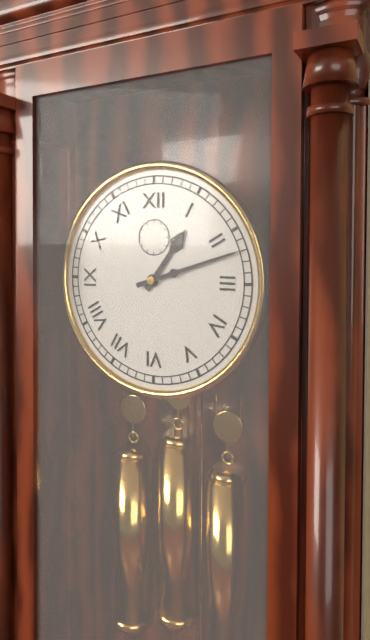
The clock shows 1:12
